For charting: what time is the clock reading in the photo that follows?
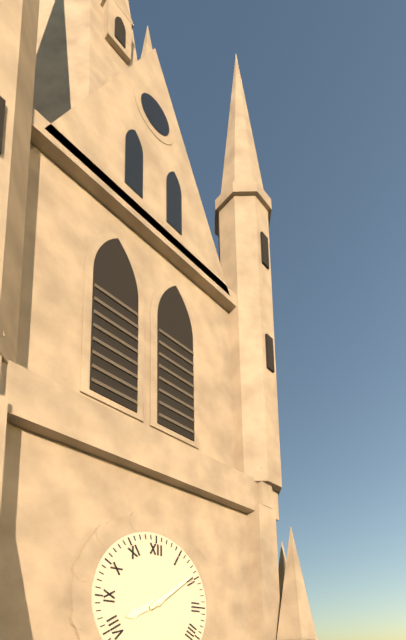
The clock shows 8:09
